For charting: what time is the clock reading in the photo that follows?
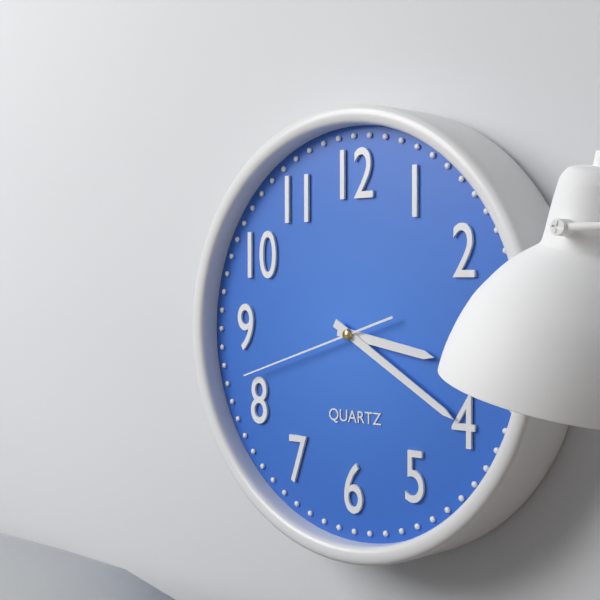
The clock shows 3:20:42
